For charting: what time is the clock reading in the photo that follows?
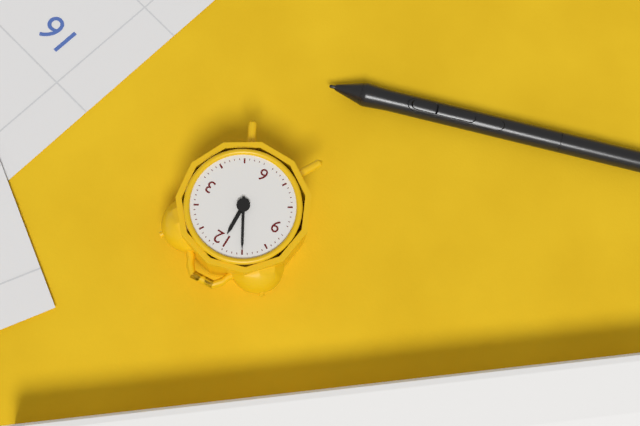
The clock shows 11:55
